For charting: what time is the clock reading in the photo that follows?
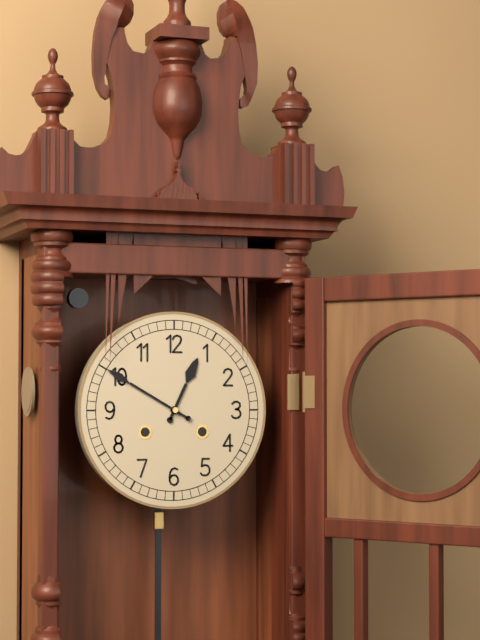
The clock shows 12:50
